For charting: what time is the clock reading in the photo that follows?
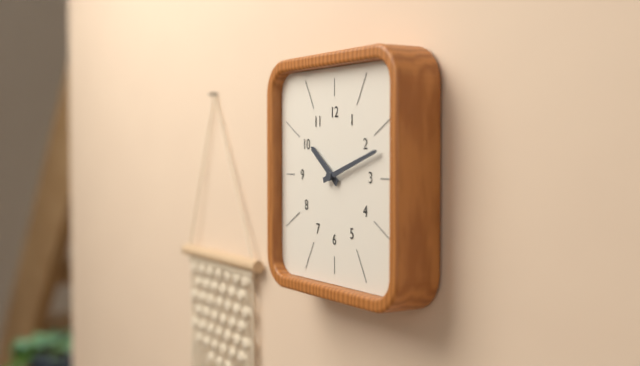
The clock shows 10:12
